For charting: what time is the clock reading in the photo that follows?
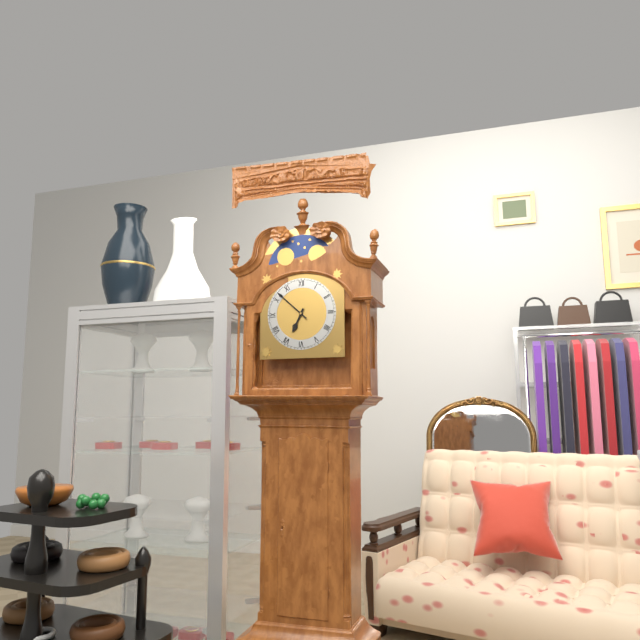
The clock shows 6:52
